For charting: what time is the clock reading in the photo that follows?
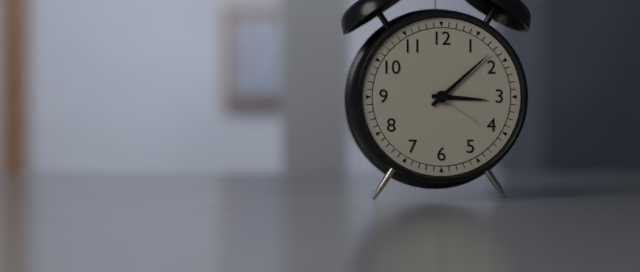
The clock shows 3:08:21
